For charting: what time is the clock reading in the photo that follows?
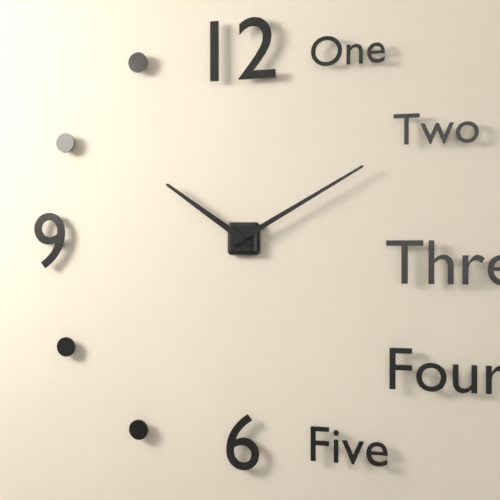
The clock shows 10:10
